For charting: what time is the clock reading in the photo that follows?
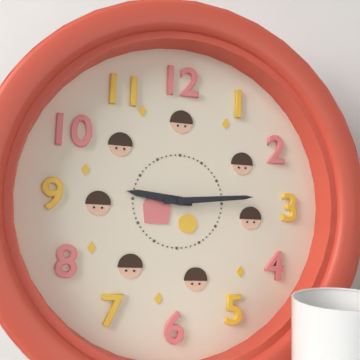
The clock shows 9:14
